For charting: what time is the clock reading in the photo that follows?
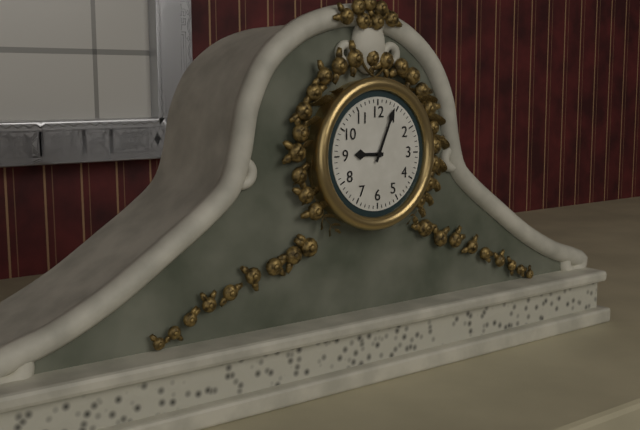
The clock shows 9:04
